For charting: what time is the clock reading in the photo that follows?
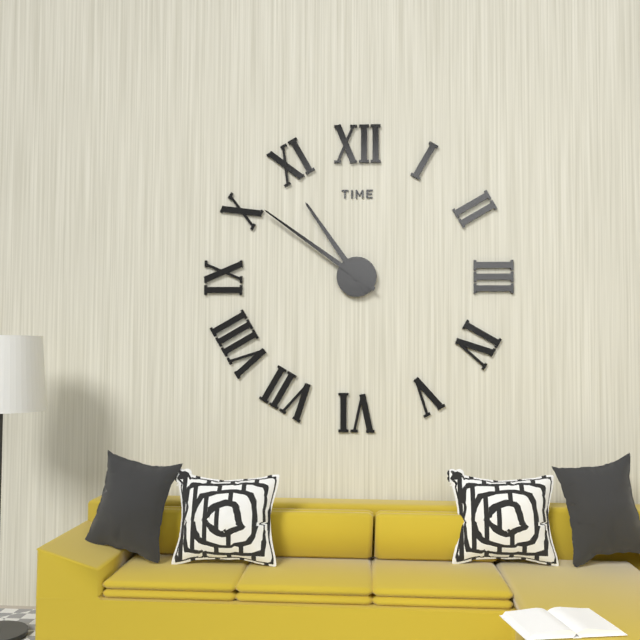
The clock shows 10:51
